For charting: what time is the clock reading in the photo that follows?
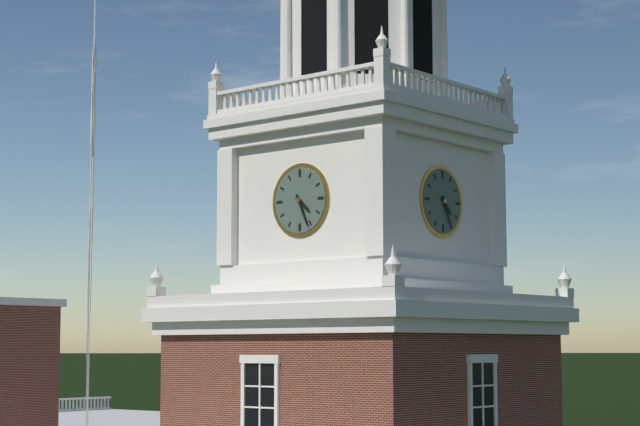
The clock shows 4:26
